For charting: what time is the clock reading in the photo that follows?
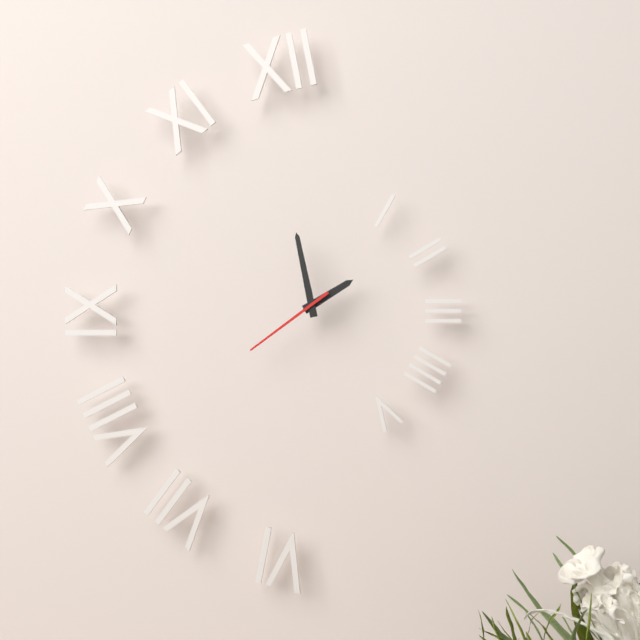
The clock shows 1:58:39
